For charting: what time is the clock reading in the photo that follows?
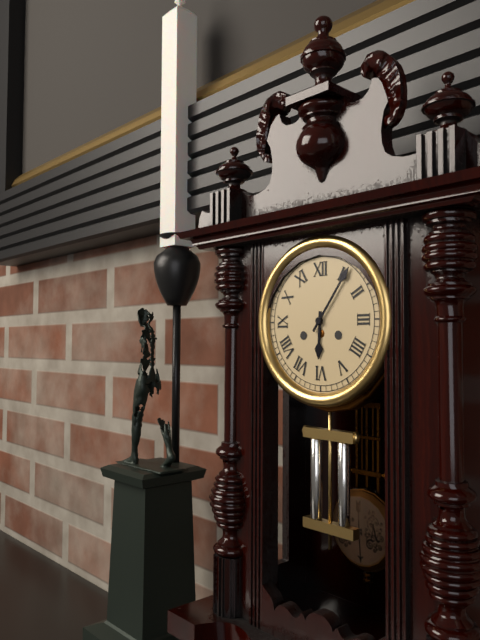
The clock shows 6:06
